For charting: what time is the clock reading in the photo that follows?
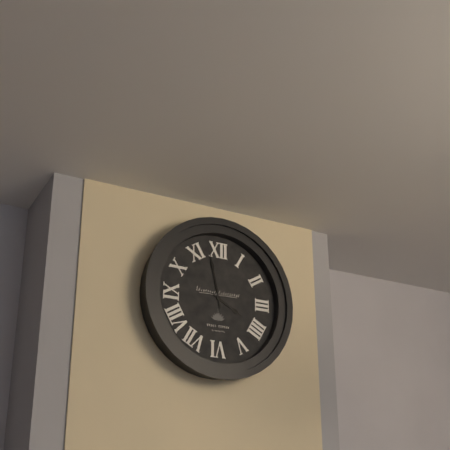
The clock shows 3:58
